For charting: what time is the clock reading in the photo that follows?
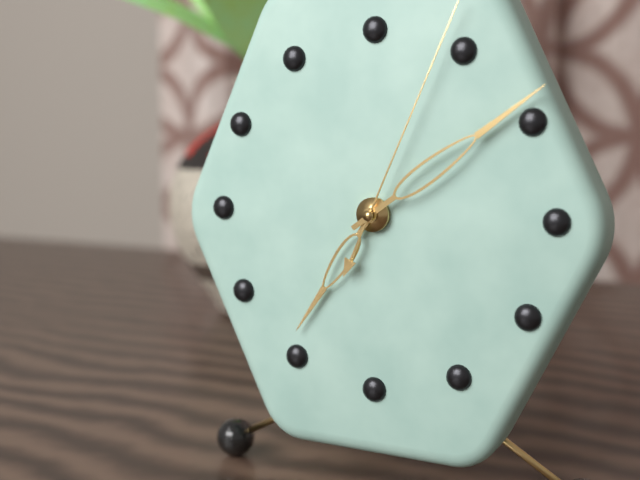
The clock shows 7:09
